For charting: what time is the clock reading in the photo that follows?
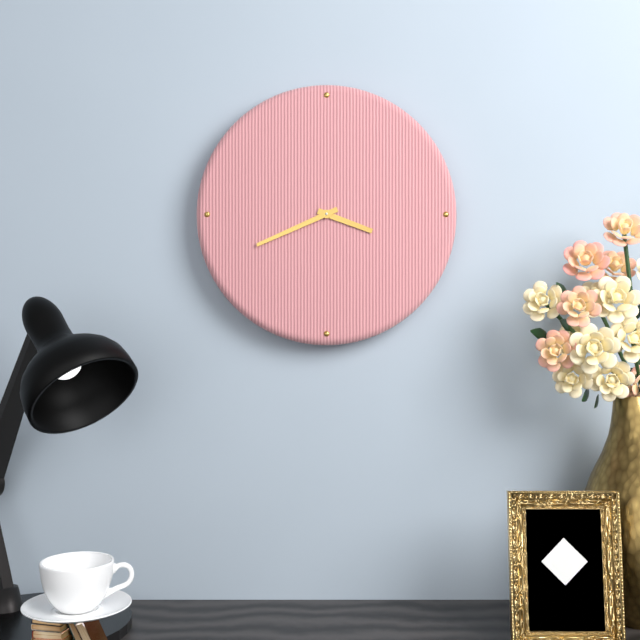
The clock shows 3:41
